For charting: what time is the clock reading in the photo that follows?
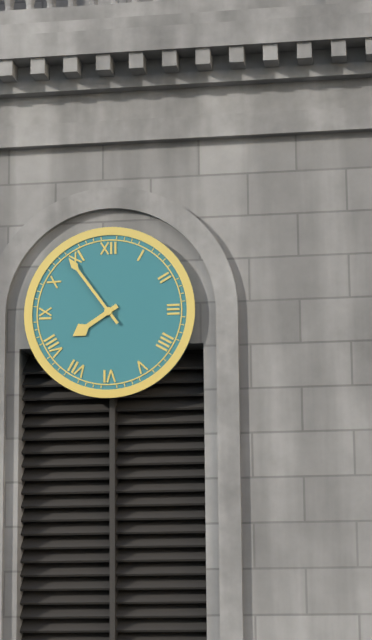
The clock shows 7:54
